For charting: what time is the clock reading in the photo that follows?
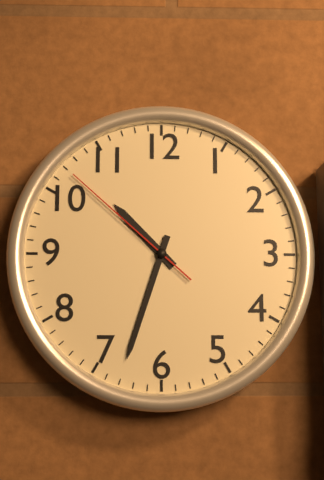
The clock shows 10:33:52
